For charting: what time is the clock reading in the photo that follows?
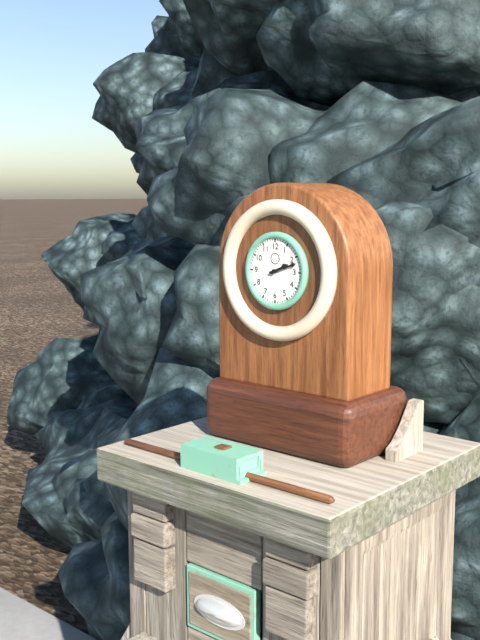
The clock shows 2:12
